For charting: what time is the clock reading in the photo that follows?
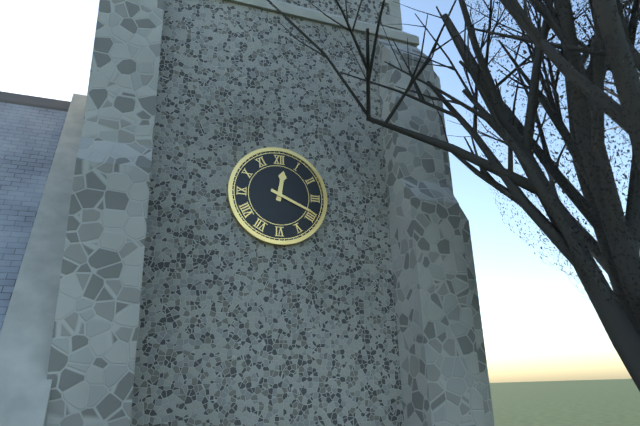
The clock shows 12:19
